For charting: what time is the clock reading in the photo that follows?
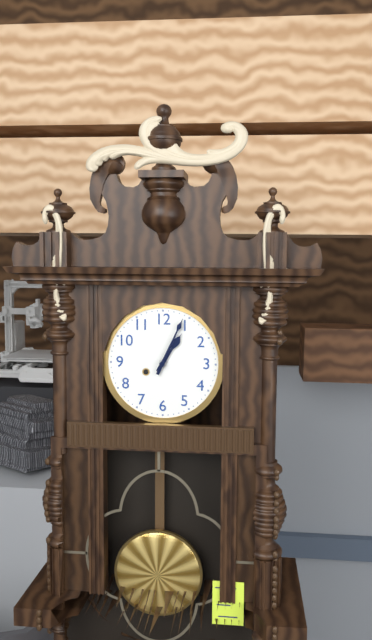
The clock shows 1:04
